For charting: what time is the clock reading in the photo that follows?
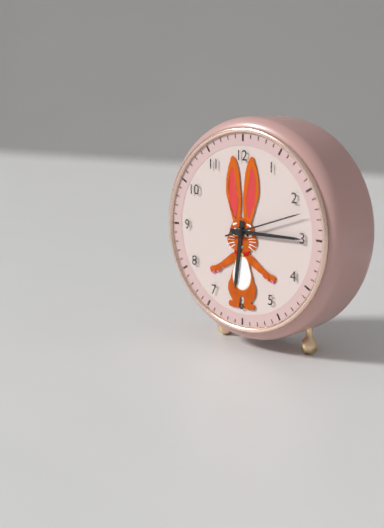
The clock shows 6:15:12
